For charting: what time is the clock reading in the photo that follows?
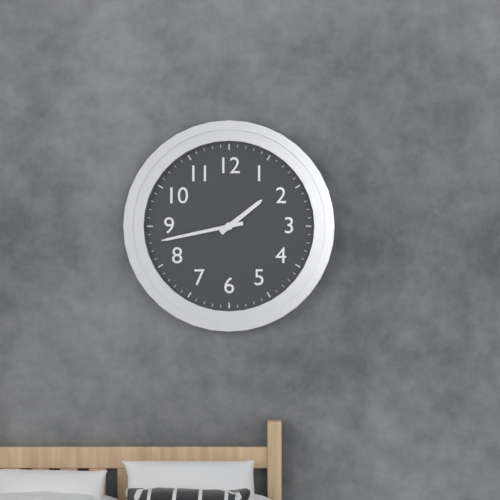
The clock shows 1:43
